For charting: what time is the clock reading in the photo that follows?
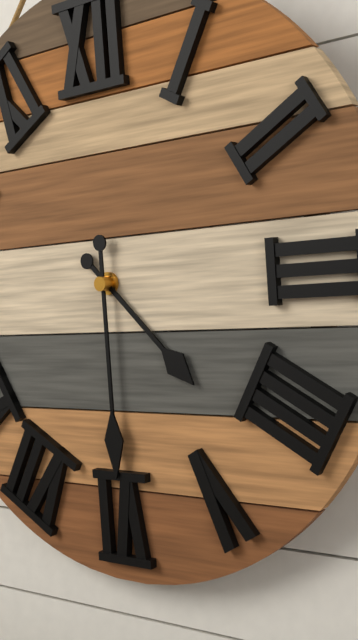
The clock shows 4:30
